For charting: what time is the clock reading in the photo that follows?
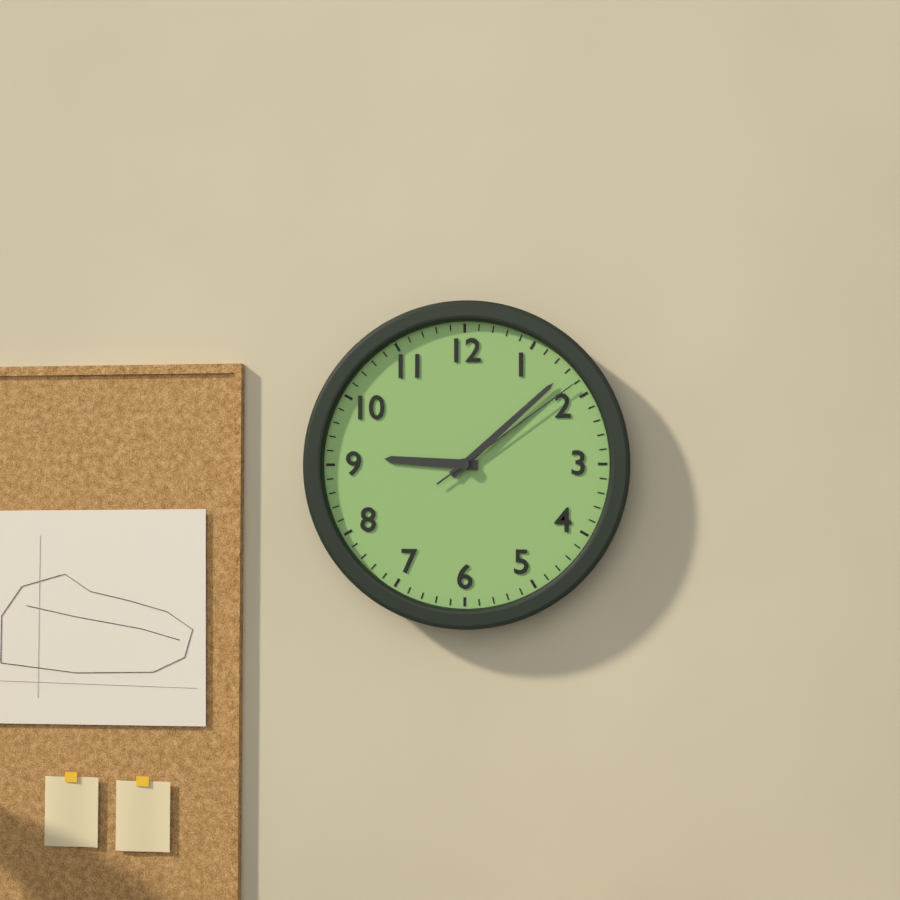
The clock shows 9:08:09
